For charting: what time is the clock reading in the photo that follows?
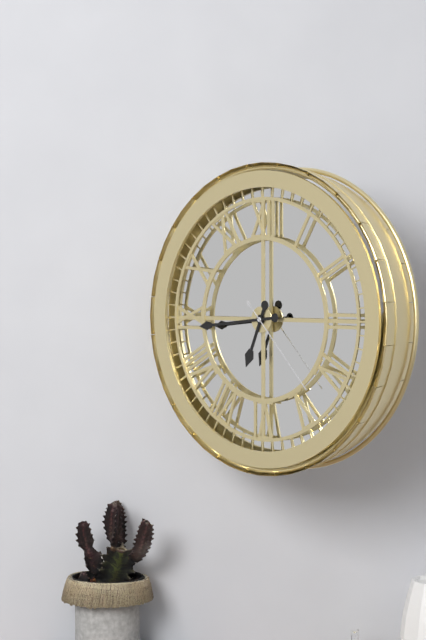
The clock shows 6:44:23
